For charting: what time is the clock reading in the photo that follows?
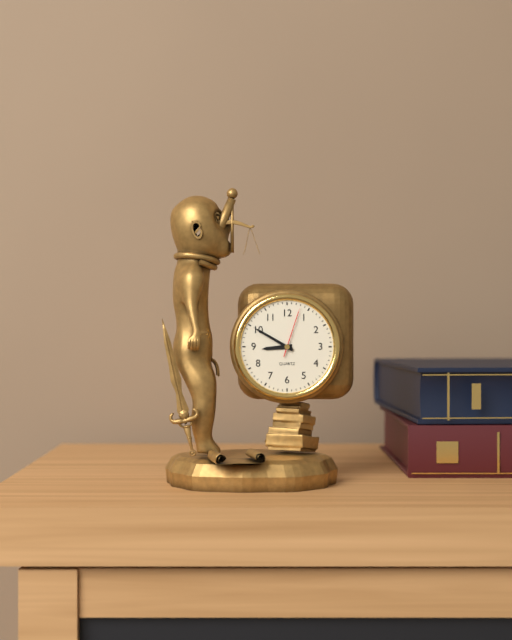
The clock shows 8:50:03
